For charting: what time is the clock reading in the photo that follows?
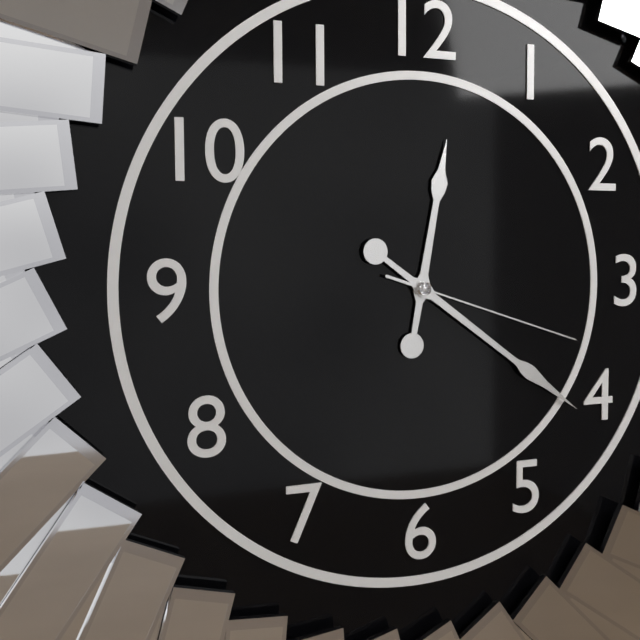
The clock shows 12:21:18
